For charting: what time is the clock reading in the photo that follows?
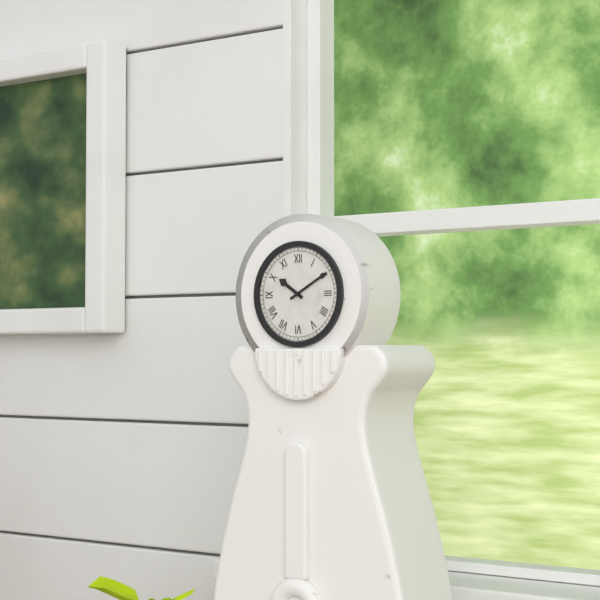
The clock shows 10:10
